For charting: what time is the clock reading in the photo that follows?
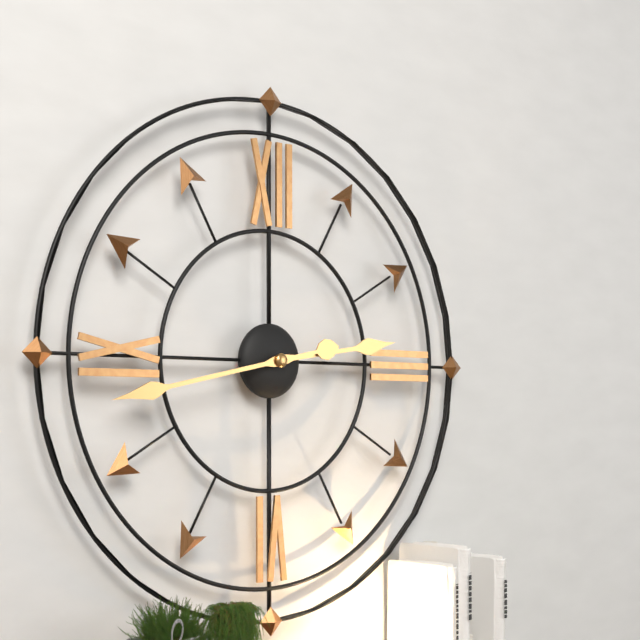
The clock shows 2:43
